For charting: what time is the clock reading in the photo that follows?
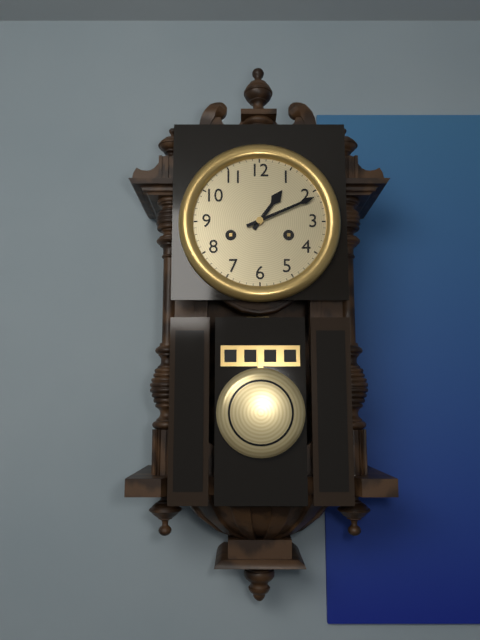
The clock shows 1:11
